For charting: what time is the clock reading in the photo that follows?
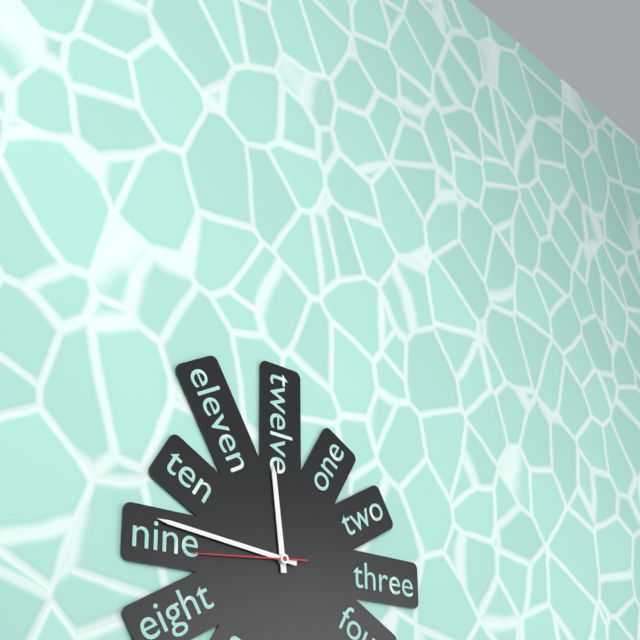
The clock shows 11:46:44
